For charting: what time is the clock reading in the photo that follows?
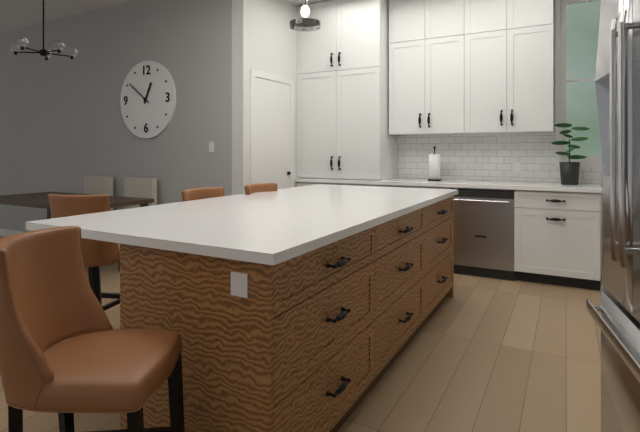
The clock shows 12:51
